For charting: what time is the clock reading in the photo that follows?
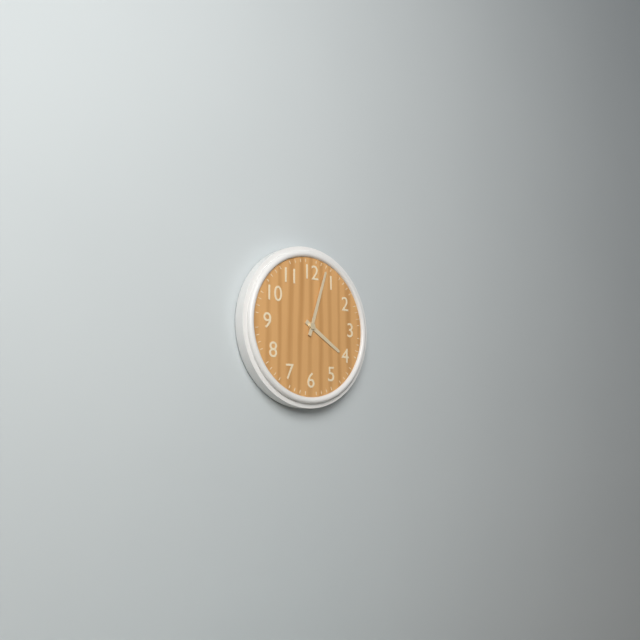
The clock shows 4:03
